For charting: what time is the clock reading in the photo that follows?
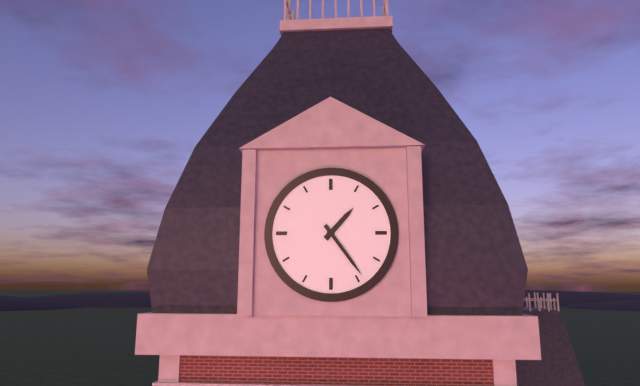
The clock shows 1:24
